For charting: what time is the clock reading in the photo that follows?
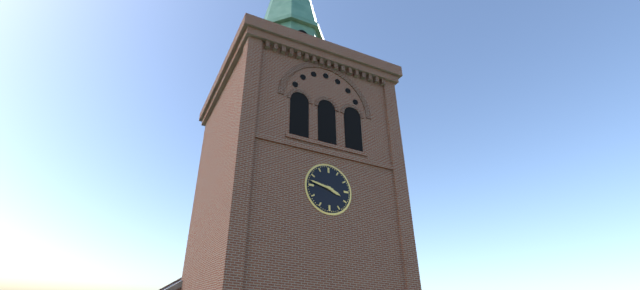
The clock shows 3:47
